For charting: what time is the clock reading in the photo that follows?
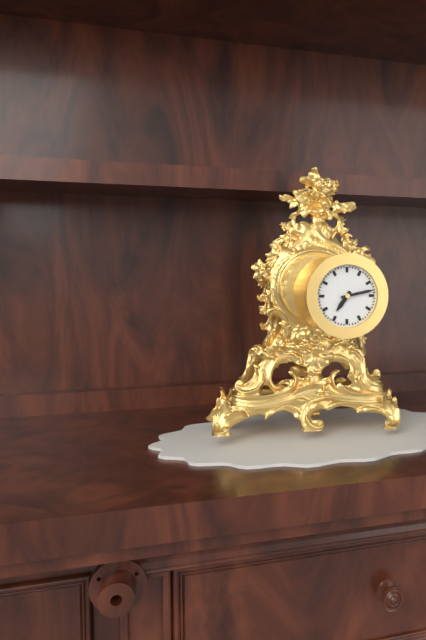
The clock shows 7:13
